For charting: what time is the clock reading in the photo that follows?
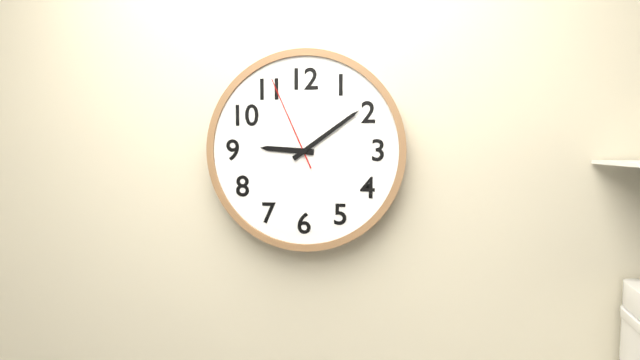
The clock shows 9:09:56
